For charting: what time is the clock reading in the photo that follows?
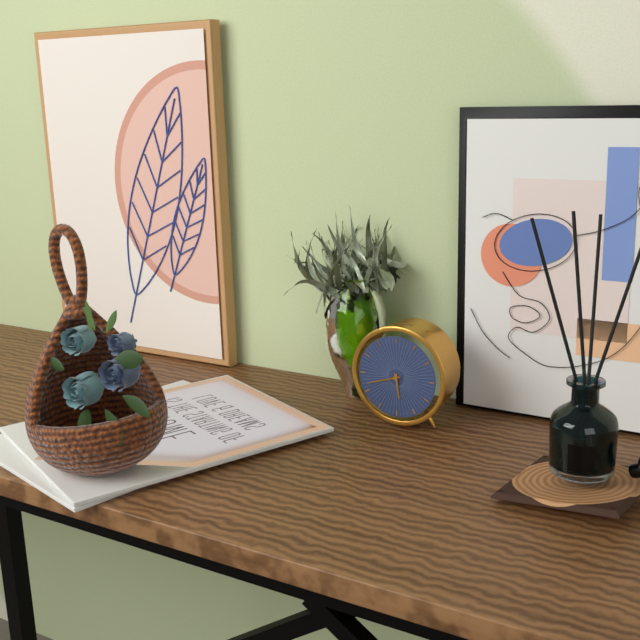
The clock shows 5:42
